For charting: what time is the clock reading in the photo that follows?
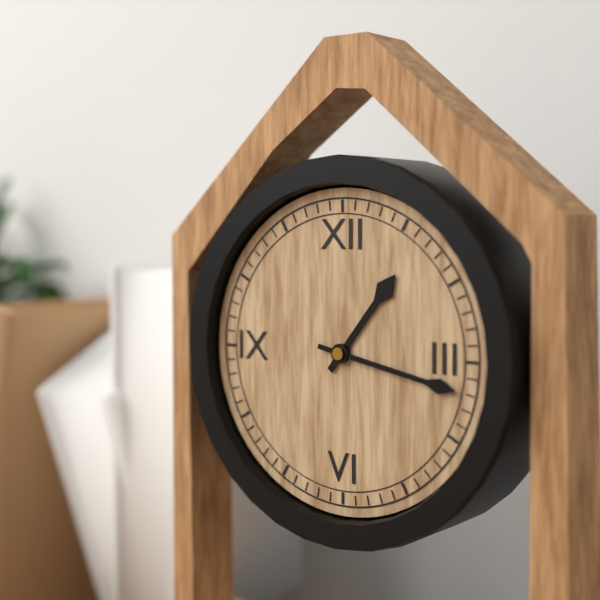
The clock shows 1:17
